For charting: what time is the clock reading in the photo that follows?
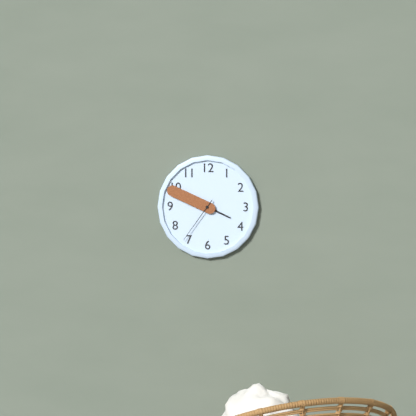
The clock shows 3:49:36
